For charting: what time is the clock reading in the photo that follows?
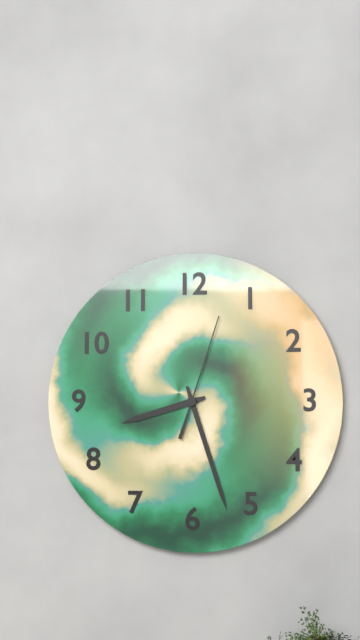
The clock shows 8:27:03
